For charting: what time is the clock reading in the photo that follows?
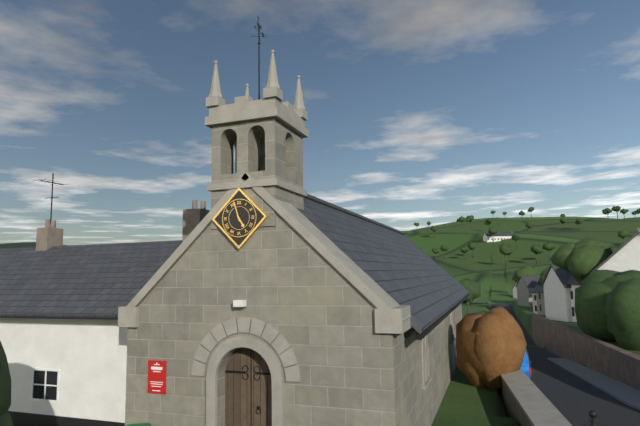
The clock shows 4:57
